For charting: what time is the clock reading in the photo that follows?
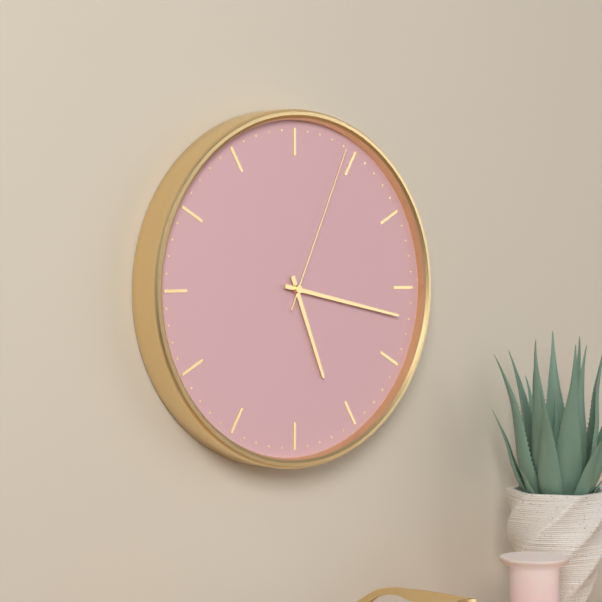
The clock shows 5:17:04
